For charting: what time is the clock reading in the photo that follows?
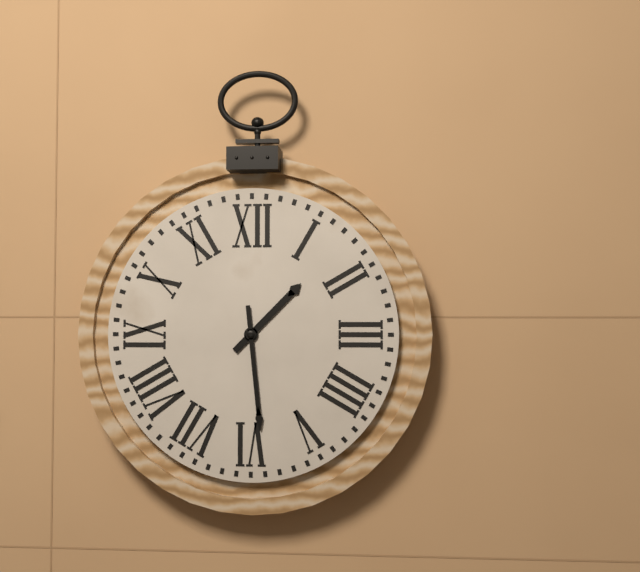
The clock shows 1:29
